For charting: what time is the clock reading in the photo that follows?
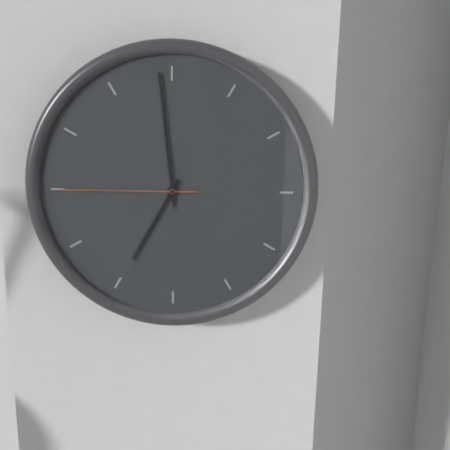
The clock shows 6:59:45
